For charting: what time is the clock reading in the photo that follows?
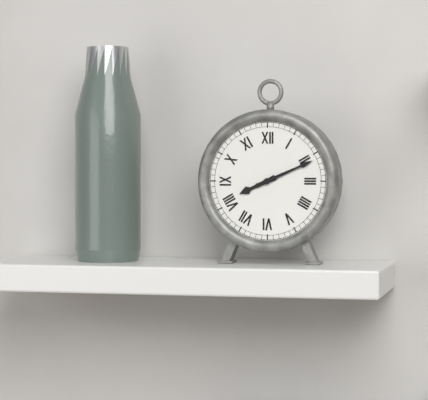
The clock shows 8:11
